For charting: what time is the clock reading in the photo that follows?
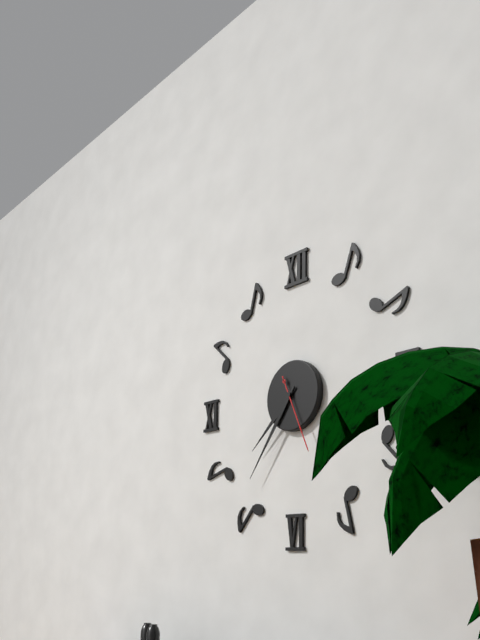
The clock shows 7:36:26
